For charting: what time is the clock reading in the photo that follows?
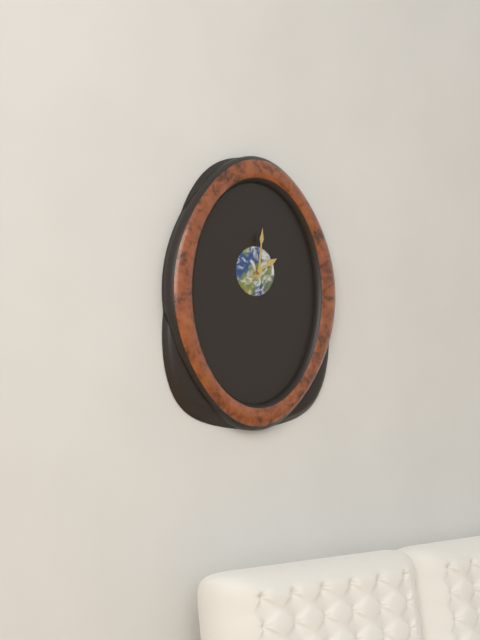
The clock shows 2:01
